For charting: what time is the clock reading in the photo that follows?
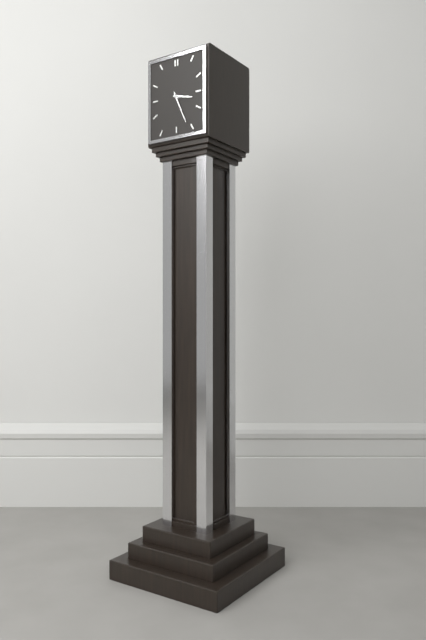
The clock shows 3:26
